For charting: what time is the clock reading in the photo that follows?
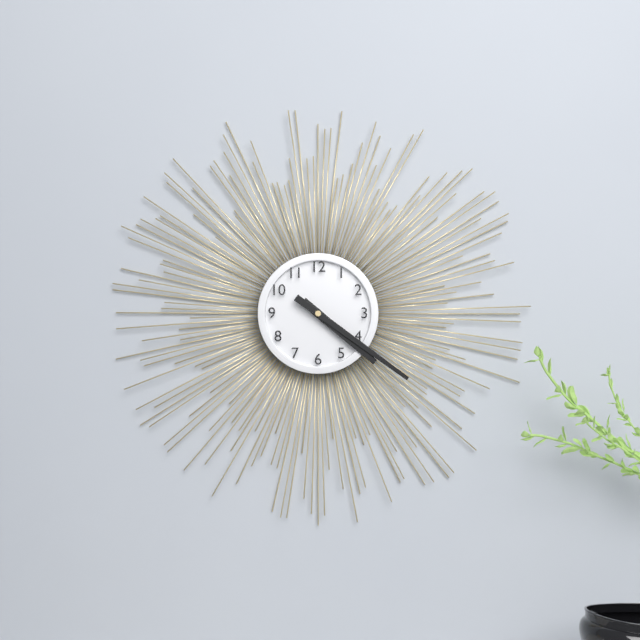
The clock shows 4:21
